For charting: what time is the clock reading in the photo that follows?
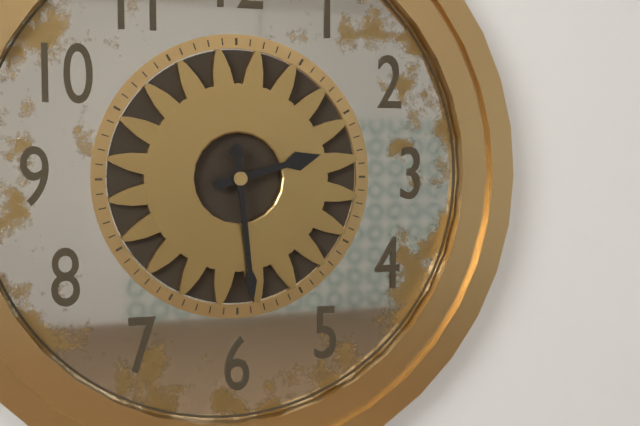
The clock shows 2:29
